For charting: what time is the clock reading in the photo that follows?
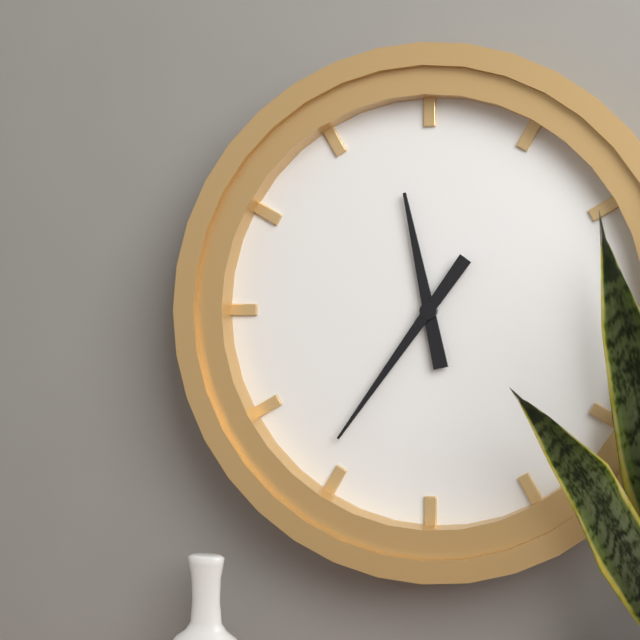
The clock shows 11:36
